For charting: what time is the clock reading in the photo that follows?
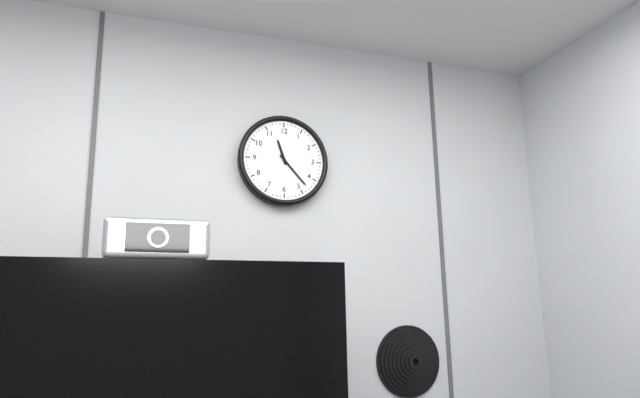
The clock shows 11:23
